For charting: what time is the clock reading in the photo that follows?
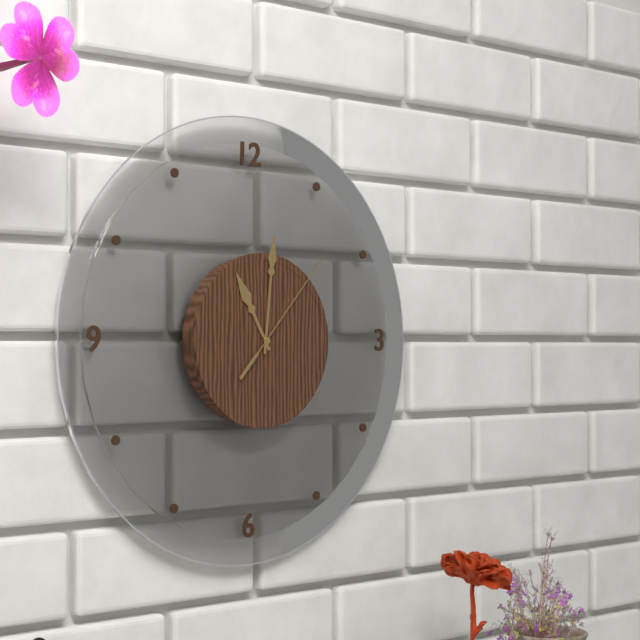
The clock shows 11:01:07
